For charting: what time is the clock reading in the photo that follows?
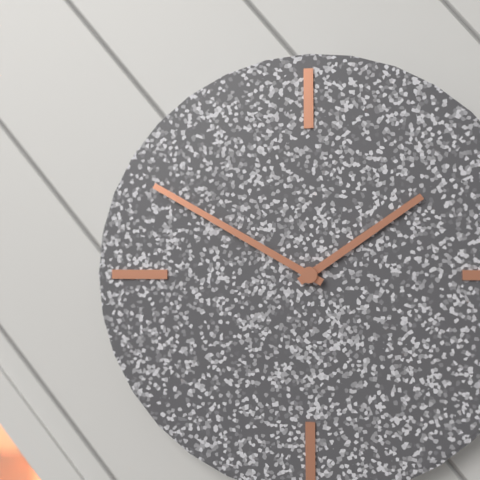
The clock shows 1:50
